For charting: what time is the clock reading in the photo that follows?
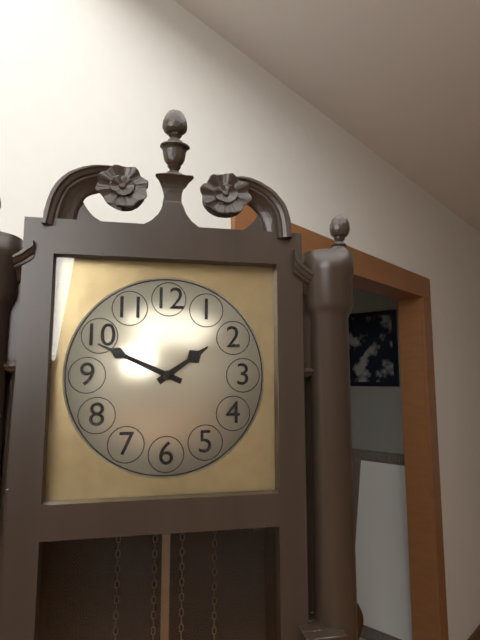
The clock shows 1:49
